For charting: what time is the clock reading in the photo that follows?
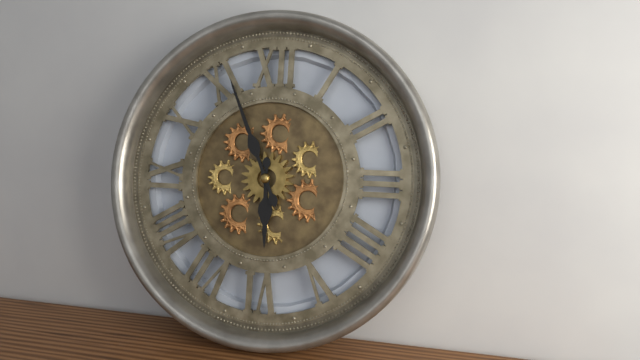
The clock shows 5:56
